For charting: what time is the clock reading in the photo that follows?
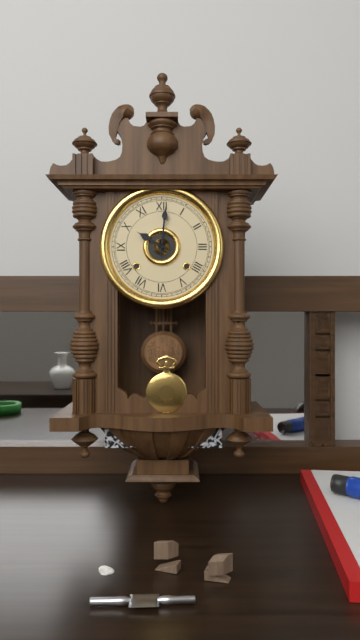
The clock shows 10:01
